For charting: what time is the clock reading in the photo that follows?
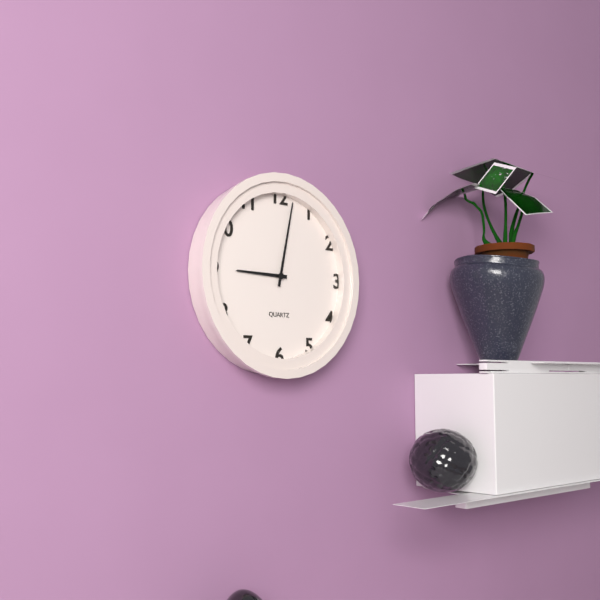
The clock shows 9:02
